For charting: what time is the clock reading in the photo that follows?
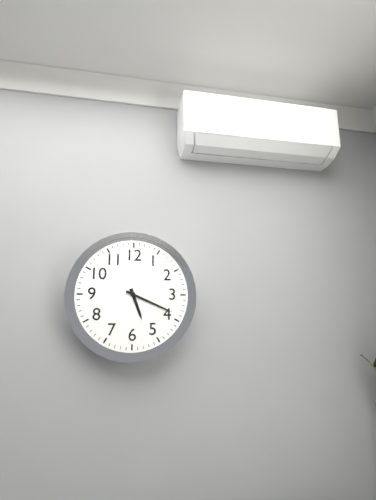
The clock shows 5:19
